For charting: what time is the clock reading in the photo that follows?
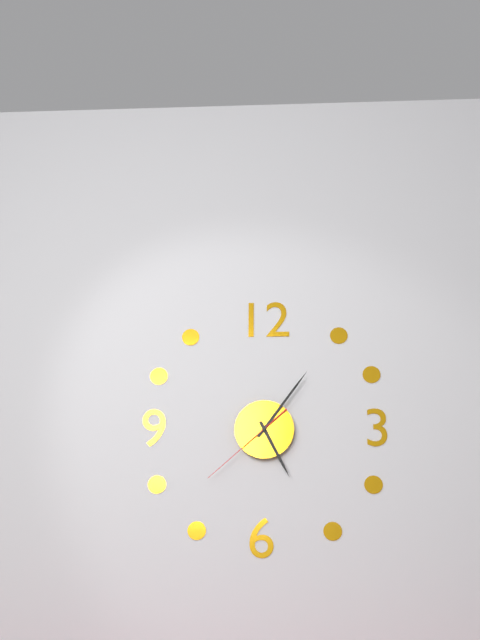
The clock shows 5:06:38
